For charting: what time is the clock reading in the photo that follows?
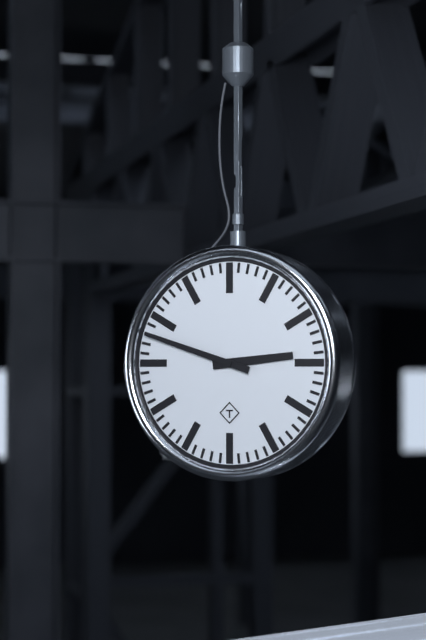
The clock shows 2:48
